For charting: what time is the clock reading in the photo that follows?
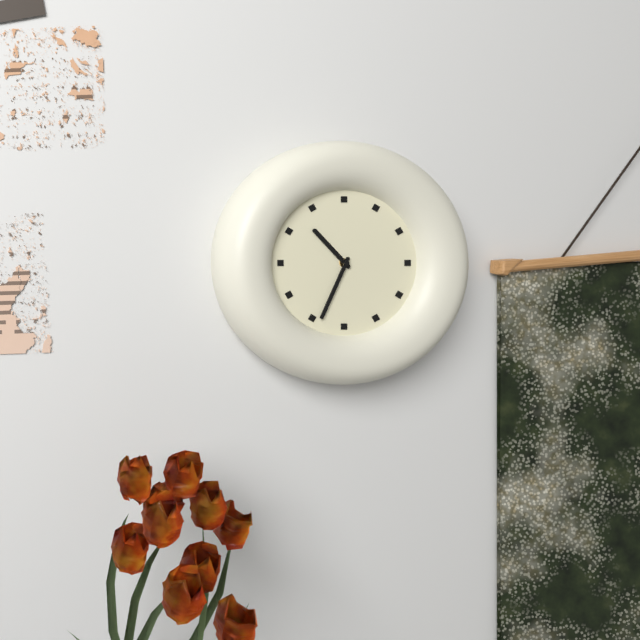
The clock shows 10:34
